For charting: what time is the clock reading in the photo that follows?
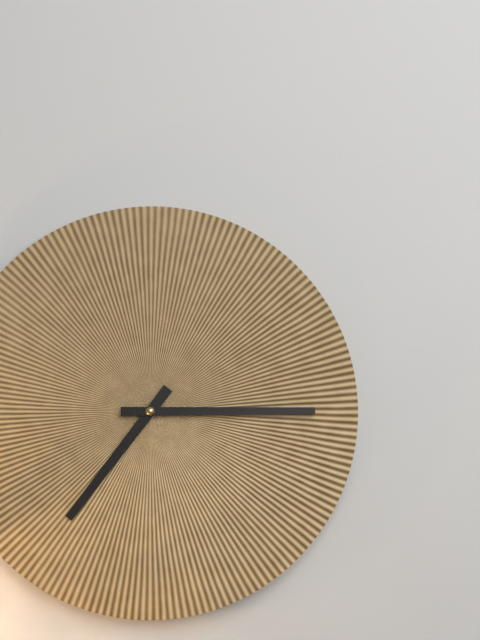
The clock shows 7:15
